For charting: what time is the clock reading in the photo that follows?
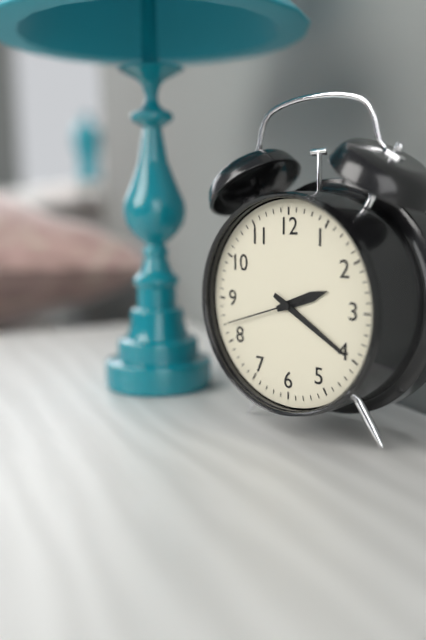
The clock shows 2:20:42
